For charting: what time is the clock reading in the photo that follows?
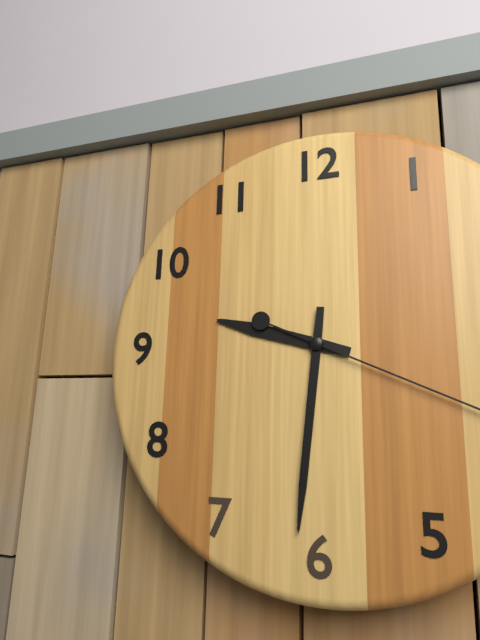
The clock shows 9:31
